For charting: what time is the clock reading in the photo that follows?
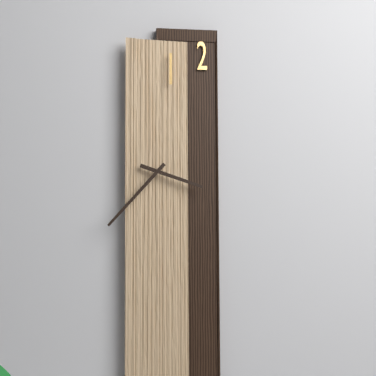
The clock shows 3:37
